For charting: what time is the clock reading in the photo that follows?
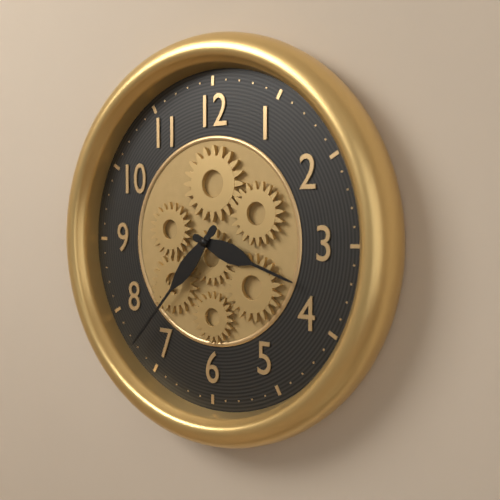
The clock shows 3:37
